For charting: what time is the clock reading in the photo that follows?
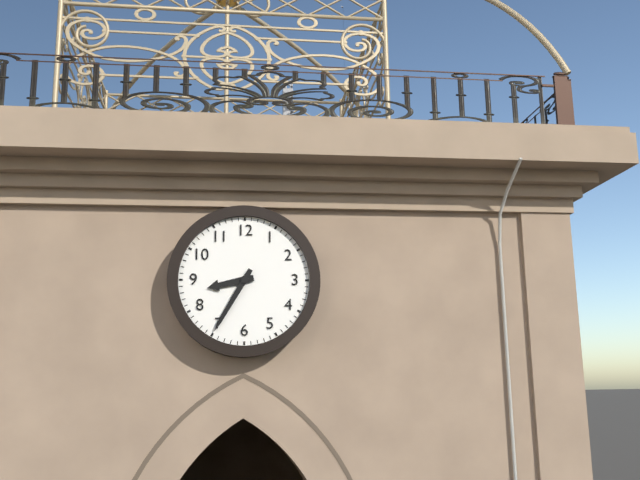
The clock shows 8:35
